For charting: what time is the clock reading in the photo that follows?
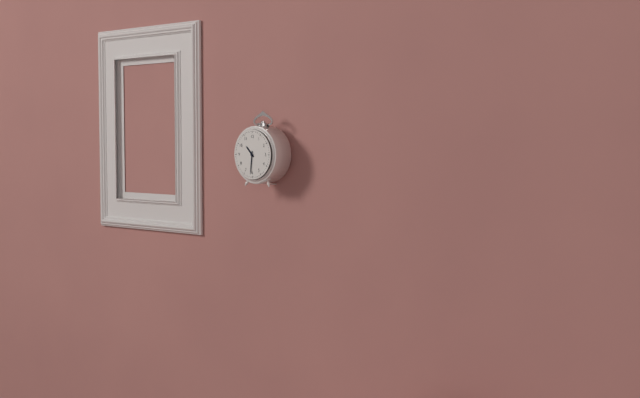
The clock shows 10:31
